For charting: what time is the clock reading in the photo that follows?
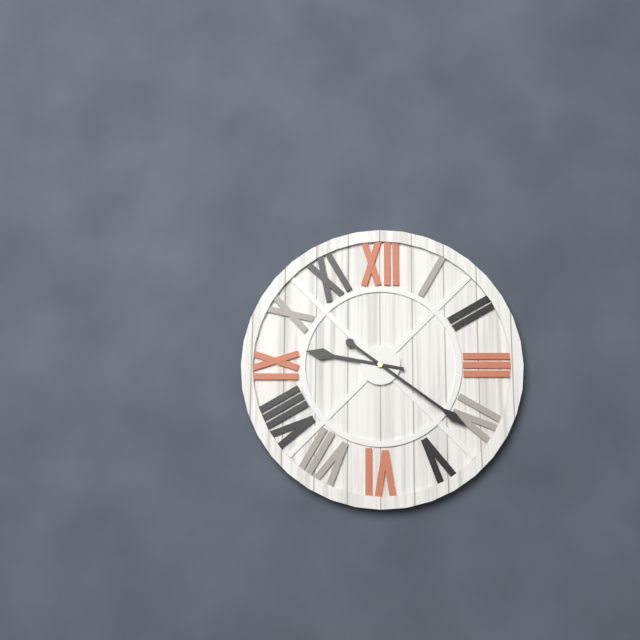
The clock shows 9:21
